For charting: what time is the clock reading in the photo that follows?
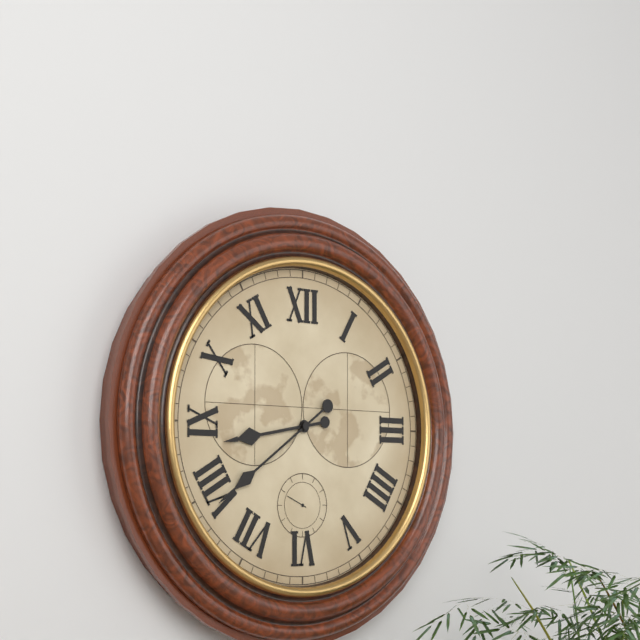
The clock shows 8:39
